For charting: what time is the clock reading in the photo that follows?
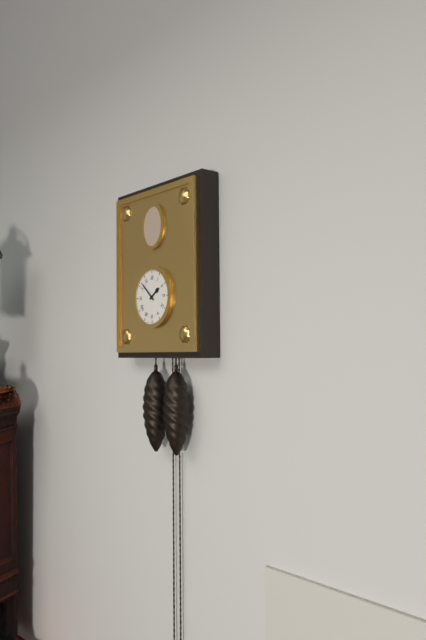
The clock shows 1:52
